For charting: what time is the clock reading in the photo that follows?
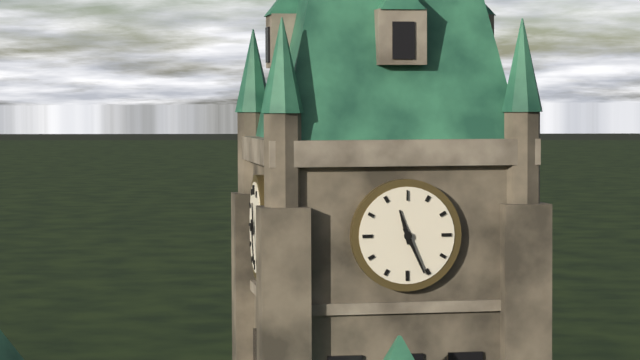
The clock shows 11:26
